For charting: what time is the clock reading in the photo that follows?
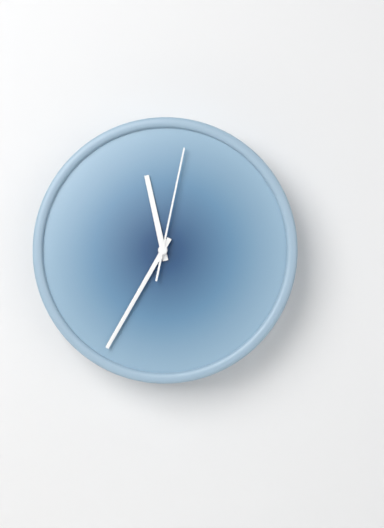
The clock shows 11:35:02
